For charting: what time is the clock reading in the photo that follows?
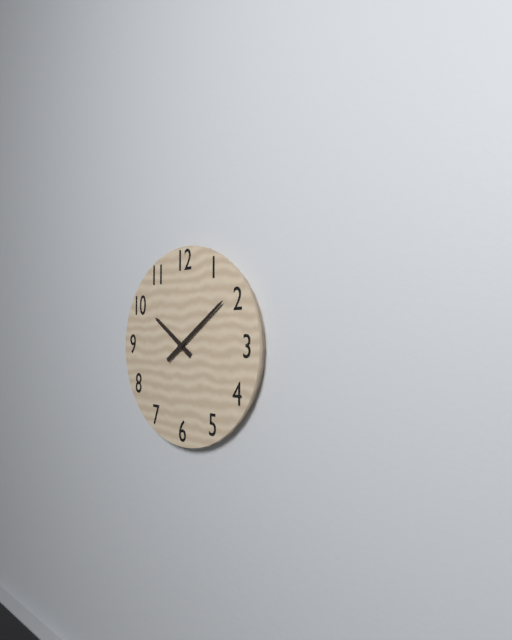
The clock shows 10:09
